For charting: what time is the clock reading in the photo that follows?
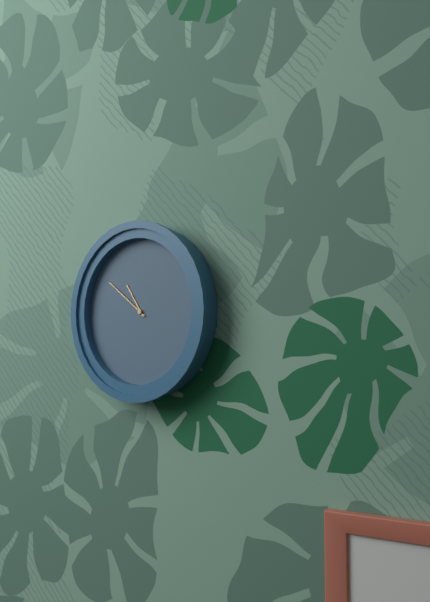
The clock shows 10:51
